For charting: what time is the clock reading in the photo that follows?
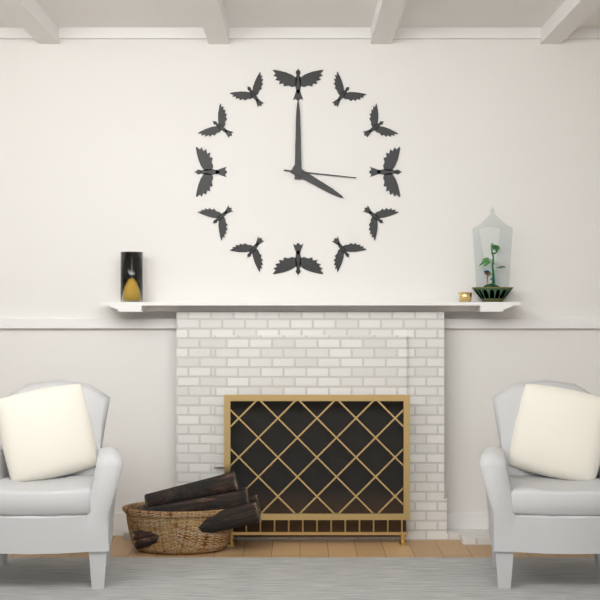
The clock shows 4:00:16
